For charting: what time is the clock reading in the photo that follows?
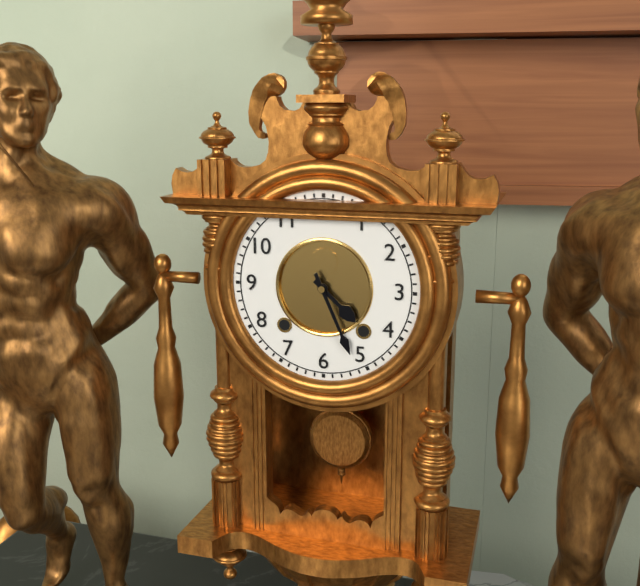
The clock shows 4:26
